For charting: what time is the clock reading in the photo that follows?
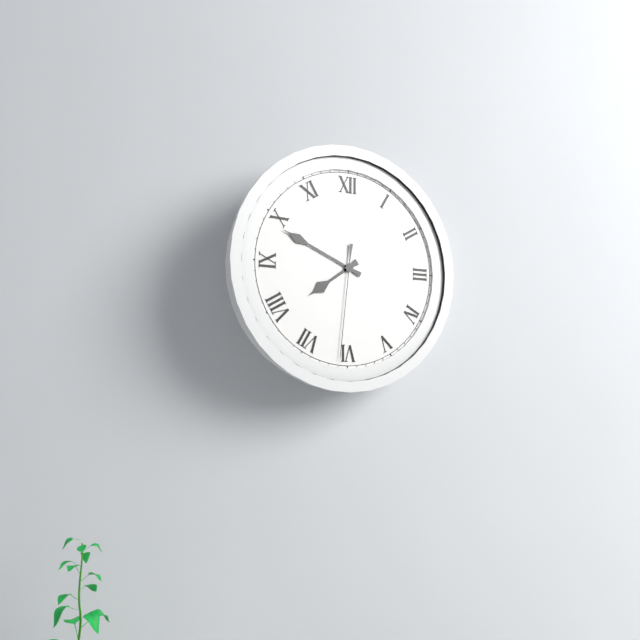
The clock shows 7:49:31
